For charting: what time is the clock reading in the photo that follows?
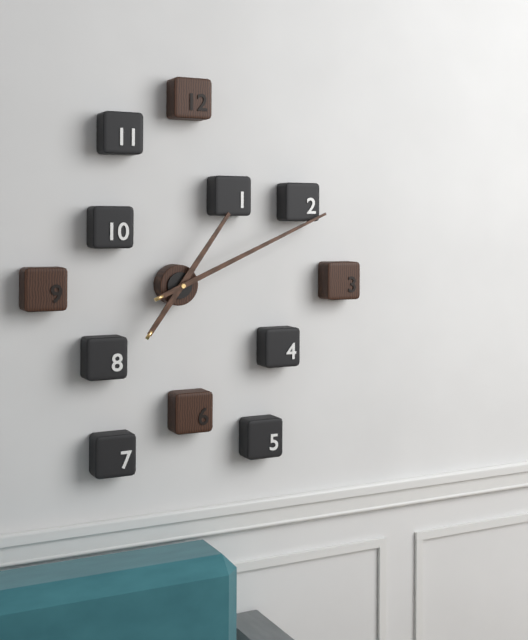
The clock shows 1:11
